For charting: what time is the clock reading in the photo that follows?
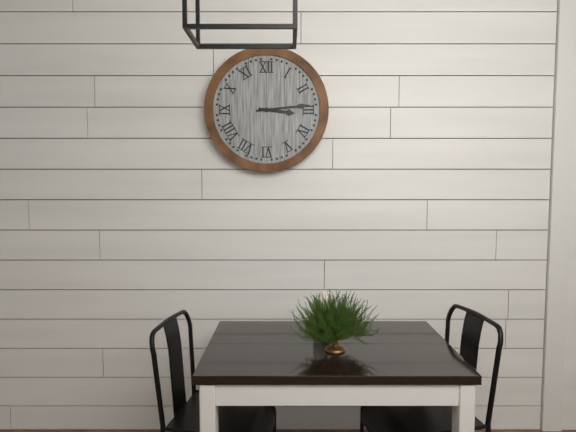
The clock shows 3:14
